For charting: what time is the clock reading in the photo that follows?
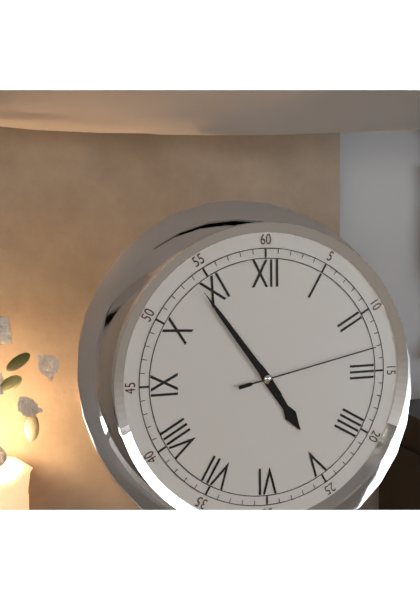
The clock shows 4:54:13
